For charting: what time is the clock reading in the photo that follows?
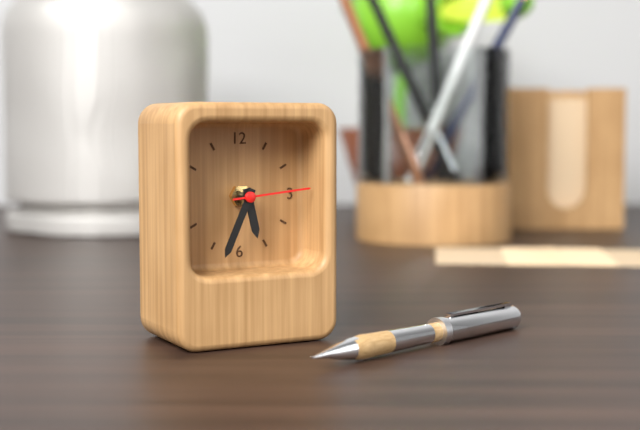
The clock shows 5:34:14
